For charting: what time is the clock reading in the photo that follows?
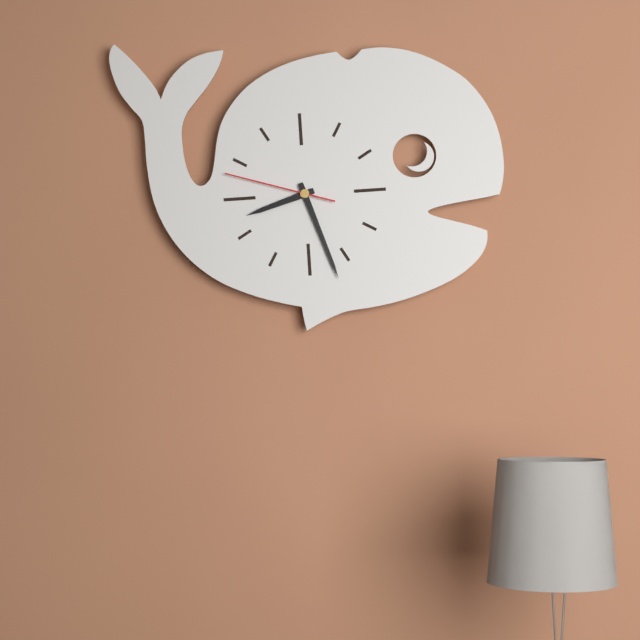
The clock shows 8:27:48
